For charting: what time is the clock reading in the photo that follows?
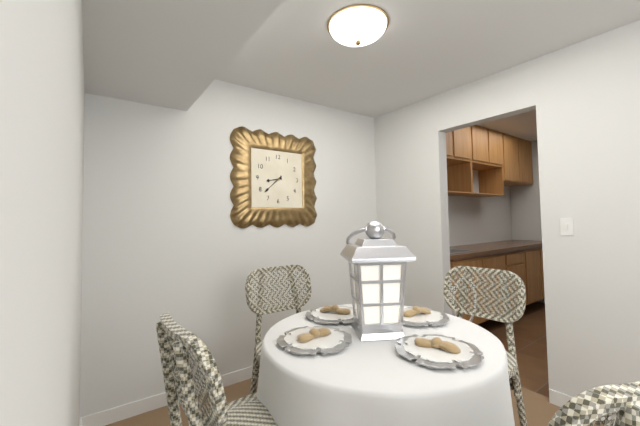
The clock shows 8:38
